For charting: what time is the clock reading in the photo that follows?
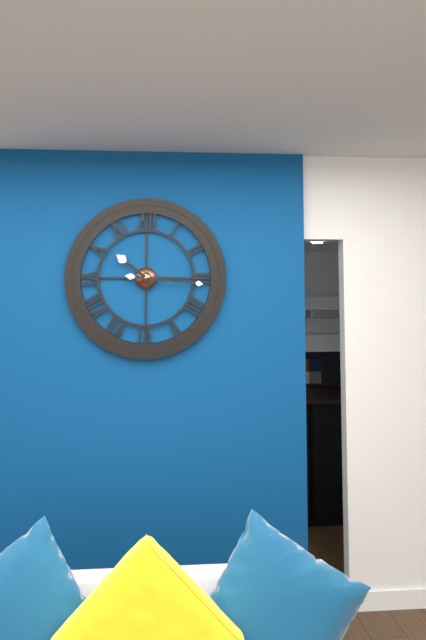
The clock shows 10:16
